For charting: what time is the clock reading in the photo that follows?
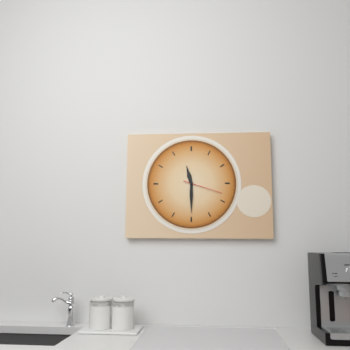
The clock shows 11:30
